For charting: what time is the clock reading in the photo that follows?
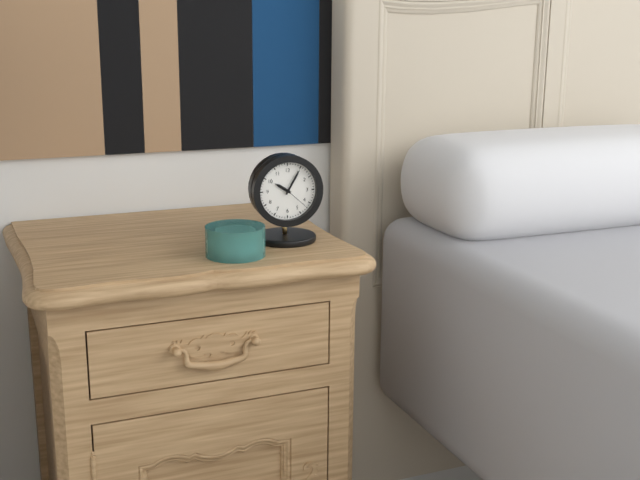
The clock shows 10:05
